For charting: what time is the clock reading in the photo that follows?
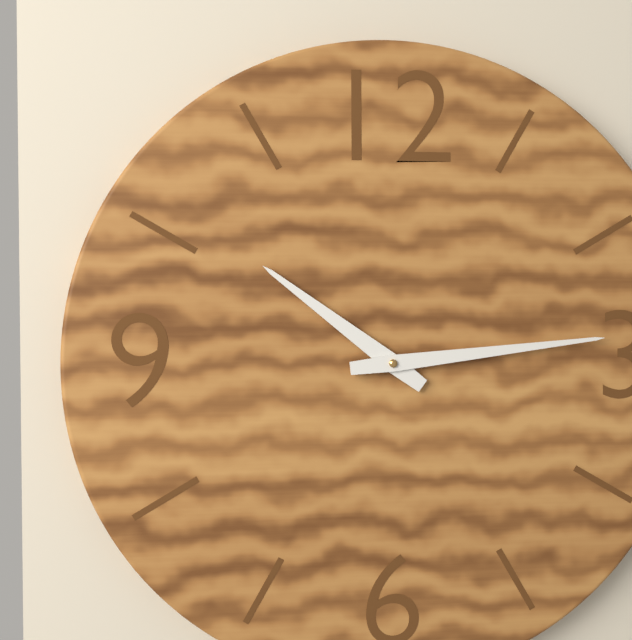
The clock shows 10:14
